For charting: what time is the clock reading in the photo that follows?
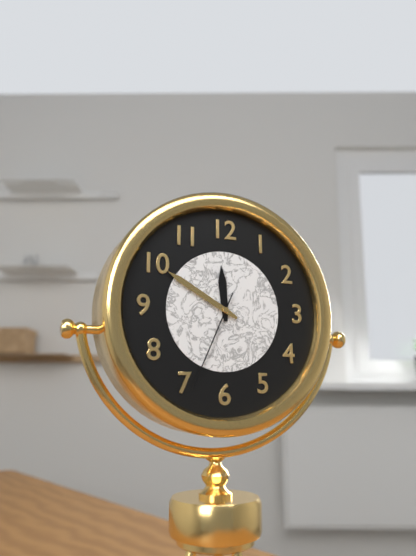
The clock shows 11:50:34
